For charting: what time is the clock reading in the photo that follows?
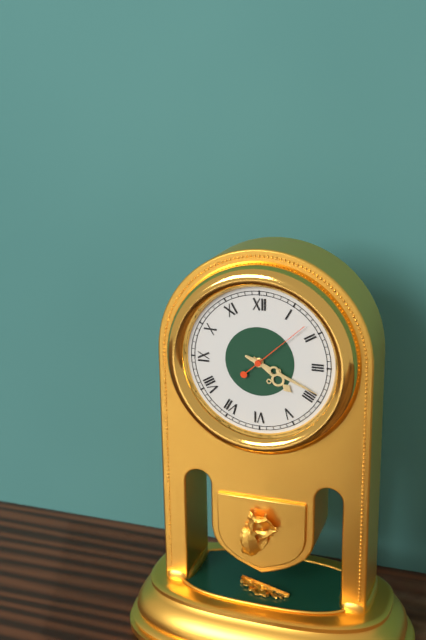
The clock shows 4:19:08
